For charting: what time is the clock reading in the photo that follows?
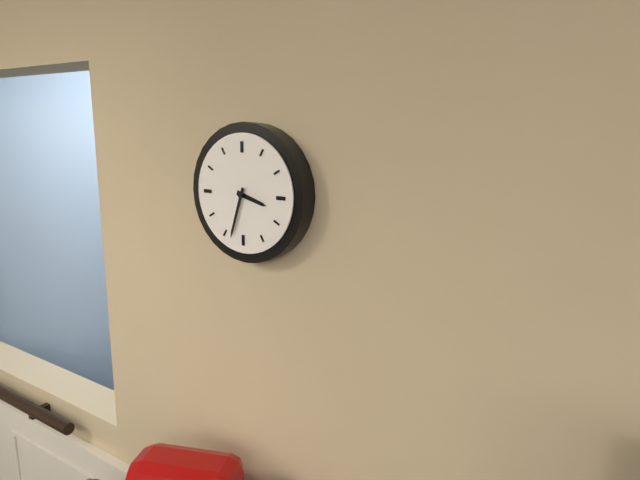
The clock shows 3:33
